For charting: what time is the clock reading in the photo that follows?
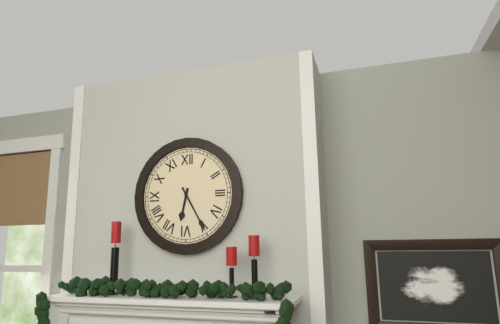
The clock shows 6:25
